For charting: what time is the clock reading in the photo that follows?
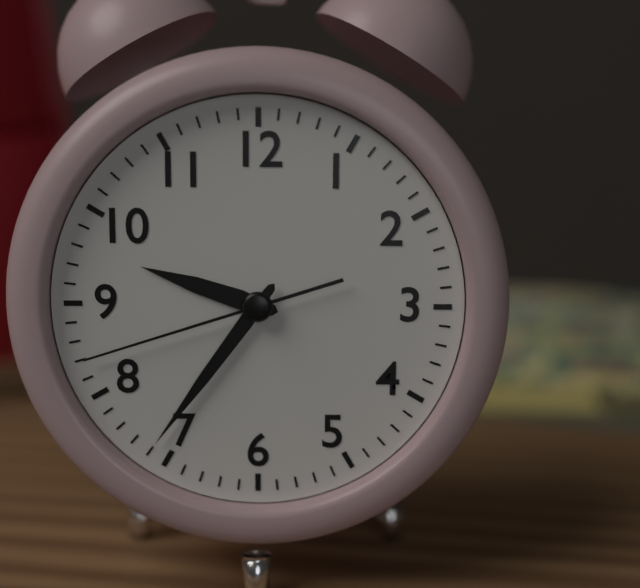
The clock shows 9:36:42
